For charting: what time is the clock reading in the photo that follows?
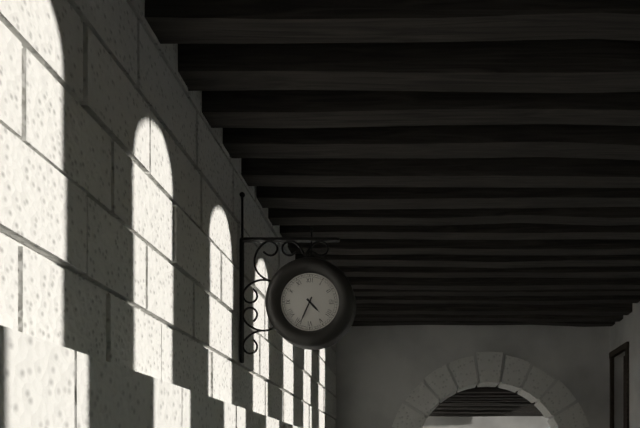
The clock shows 4:34
